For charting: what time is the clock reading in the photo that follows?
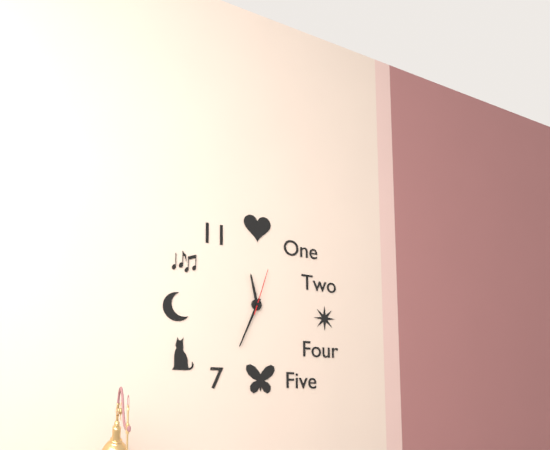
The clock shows 11:34
